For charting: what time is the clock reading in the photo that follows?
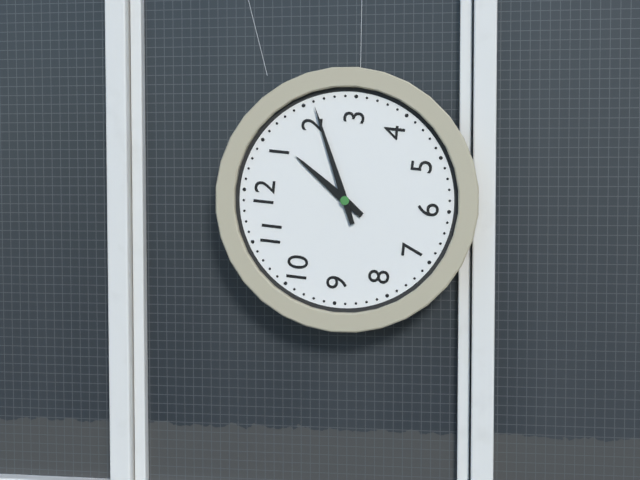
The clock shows 1:11
